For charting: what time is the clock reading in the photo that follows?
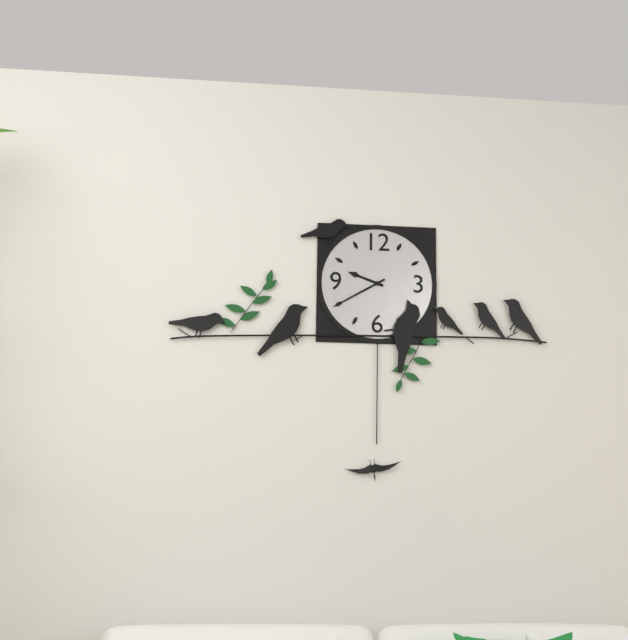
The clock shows 9:40
